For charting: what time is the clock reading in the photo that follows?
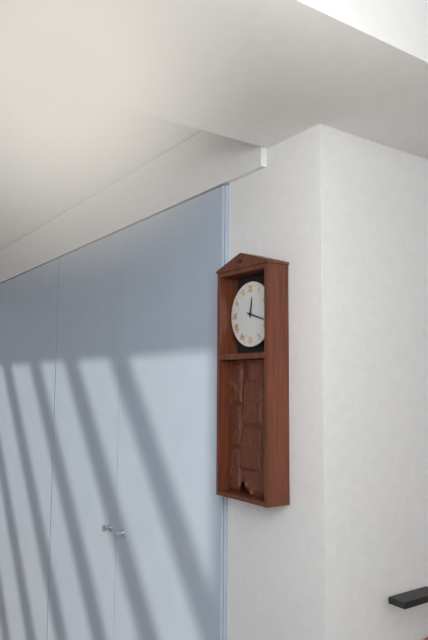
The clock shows 12:18
